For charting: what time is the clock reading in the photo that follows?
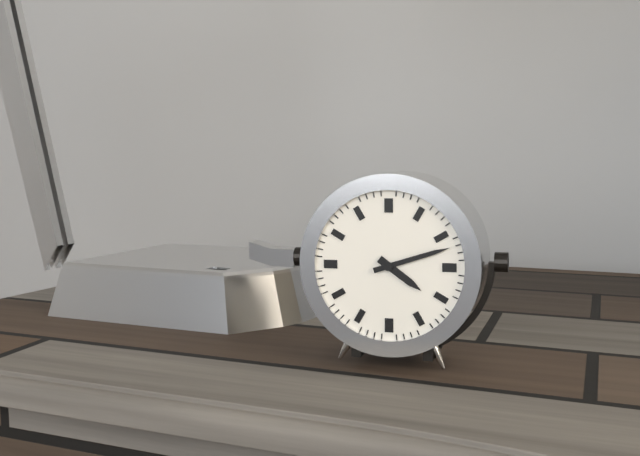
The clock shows 4:12
